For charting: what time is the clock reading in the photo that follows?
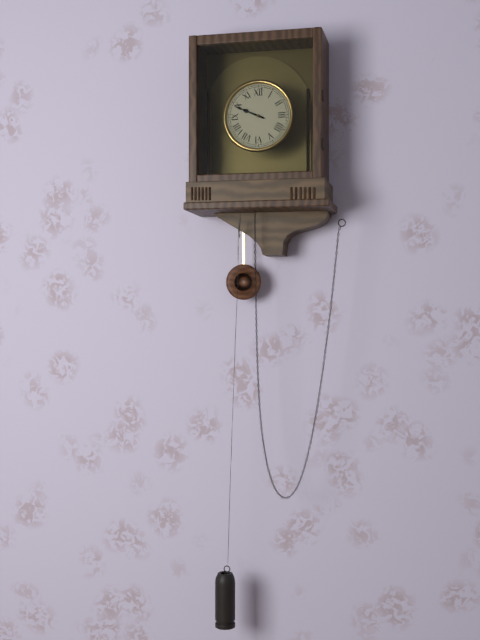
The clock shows 9:49
